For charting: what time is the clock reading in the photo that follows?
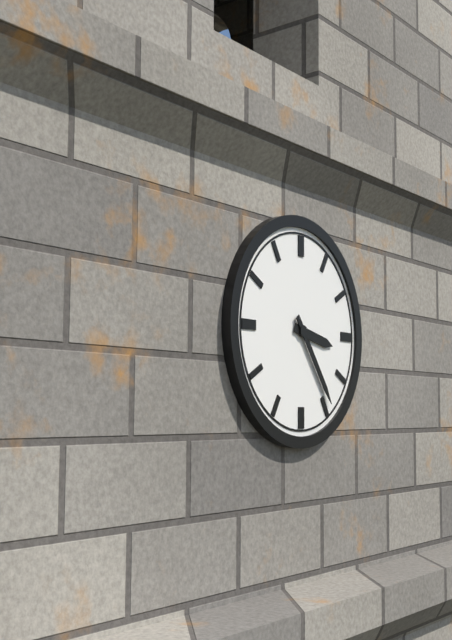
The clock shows 3:24
